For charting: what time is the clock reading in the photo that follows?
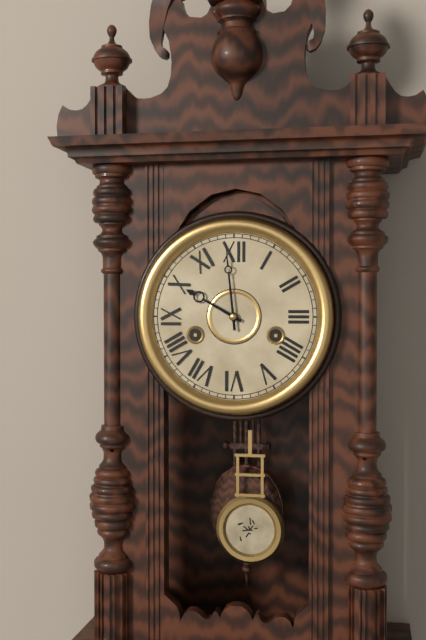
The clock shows 9:59
